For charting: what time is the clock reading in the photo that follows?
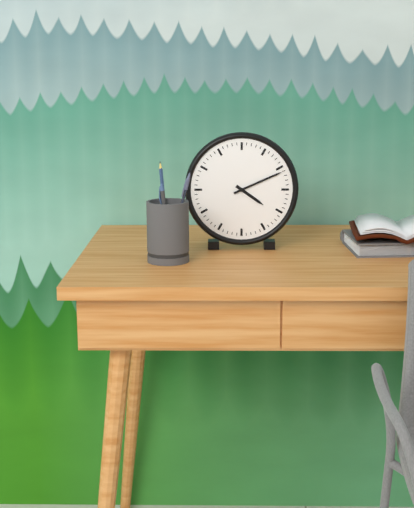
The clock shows 4:11
